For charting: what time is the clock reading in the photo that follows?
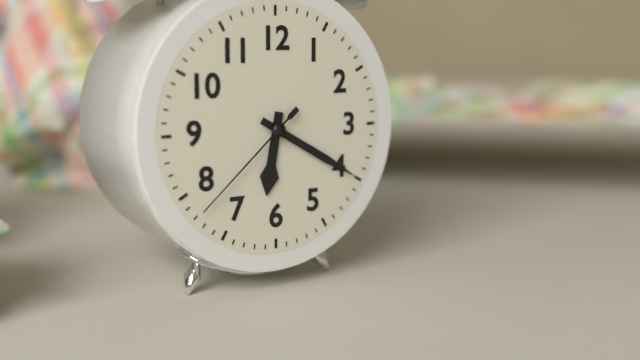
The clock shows 6:20:38
